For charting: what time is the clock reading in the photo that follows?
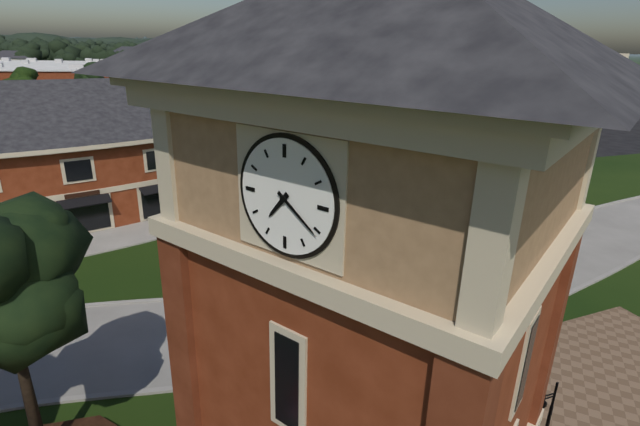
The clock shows 7:21
